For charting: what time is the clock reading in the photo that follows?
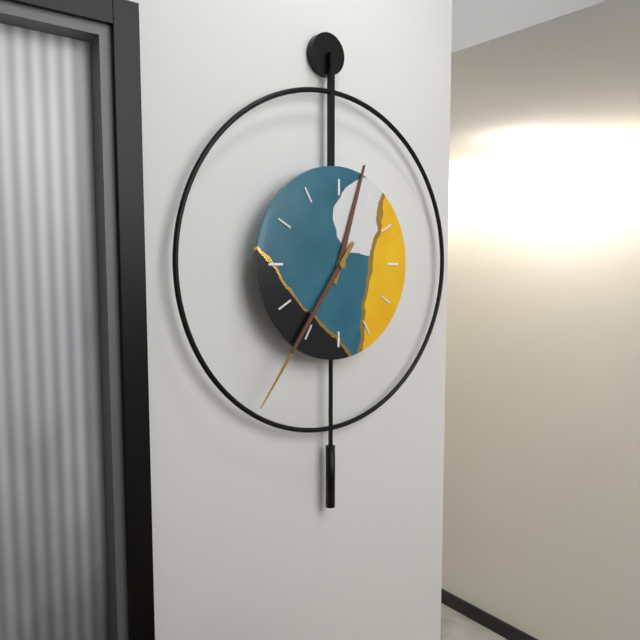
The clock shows 12:36
